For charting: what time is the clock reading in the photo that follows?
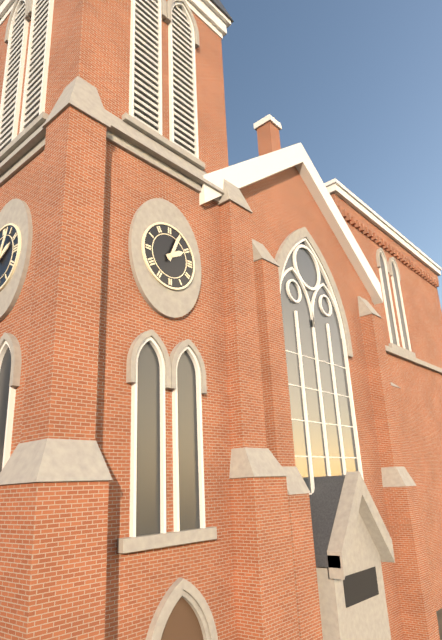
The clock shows 2:04
